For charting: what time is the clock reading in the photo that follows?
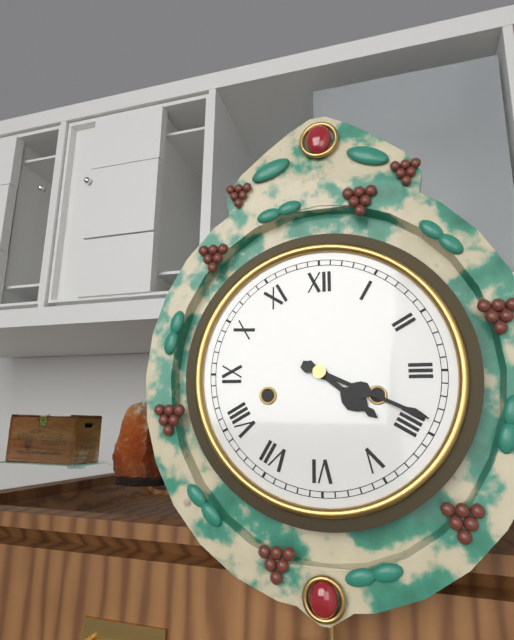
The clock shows 4:19
